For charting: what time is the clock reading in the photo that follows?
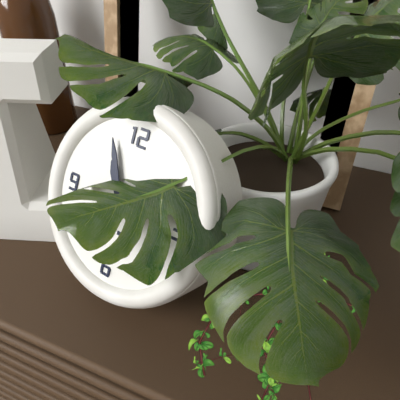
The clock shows 10:56
